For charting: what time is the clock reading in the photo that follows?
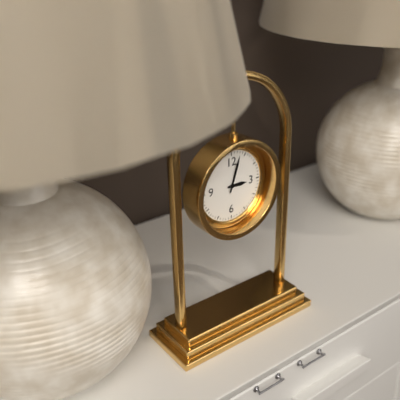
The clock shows 3:03
